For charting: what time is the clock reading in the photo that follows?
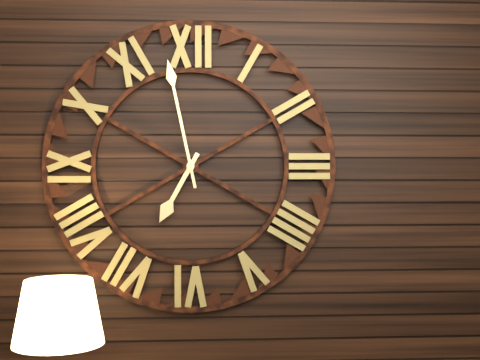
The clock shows 6:58
